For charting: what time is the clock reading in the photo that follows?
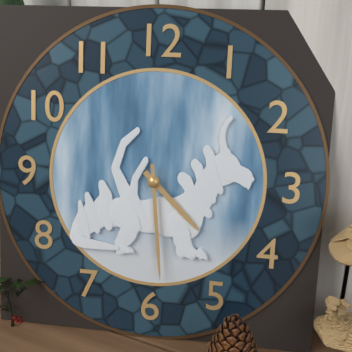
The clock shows 4:29
